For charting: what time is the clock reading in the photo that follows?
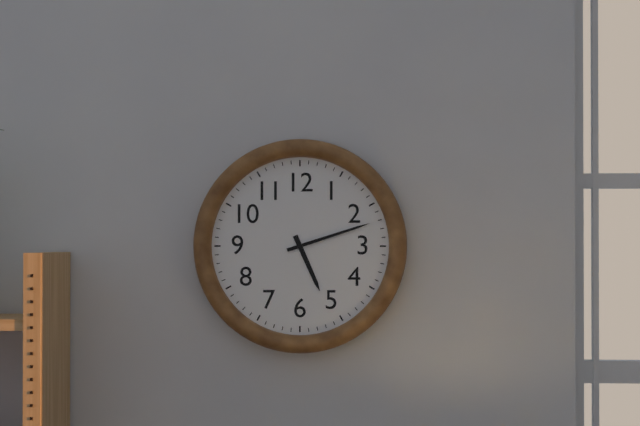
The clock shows 5:12
